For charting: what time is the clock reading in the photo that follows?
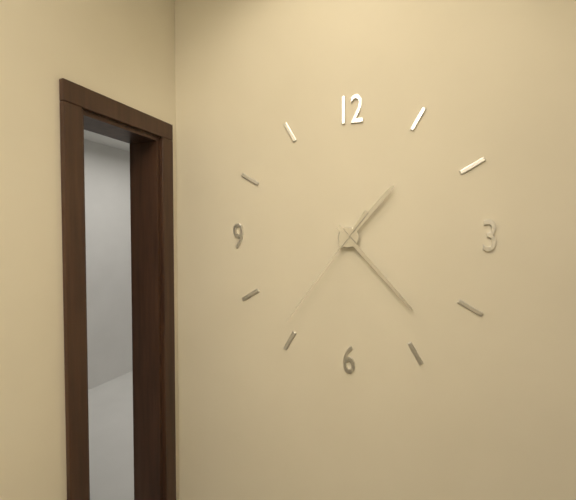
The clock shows 1:23:36
